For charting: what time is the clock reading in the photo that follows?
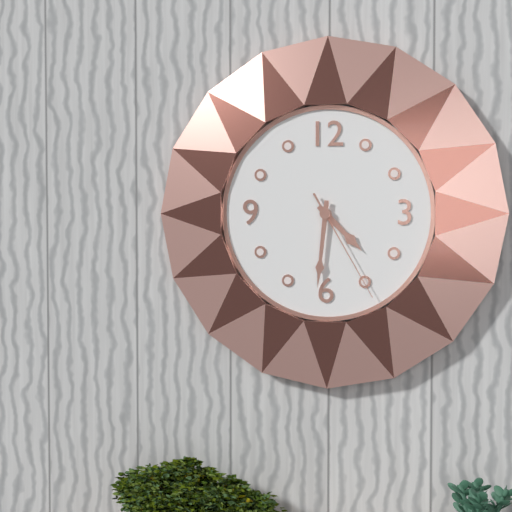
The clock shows 4:31:25
